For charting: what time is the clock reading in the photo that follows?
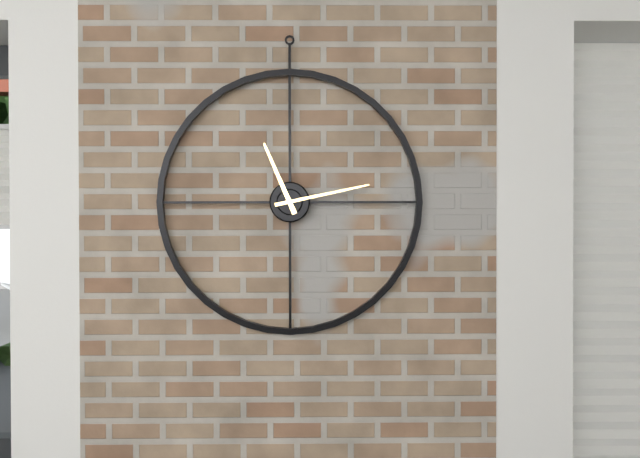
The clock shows 11:13
